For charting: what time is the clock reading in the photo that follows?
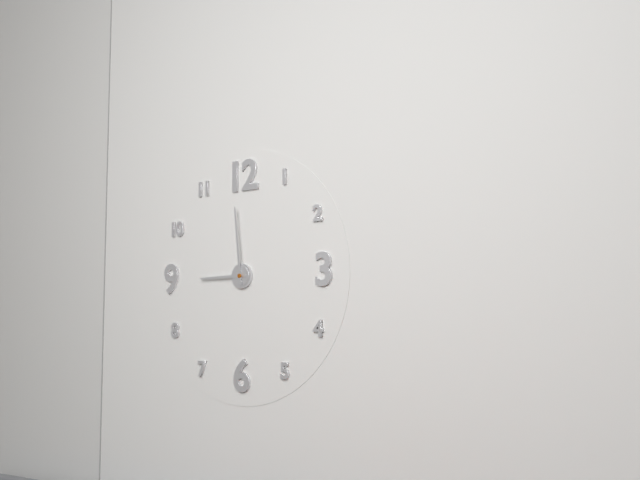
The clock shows 8:59
